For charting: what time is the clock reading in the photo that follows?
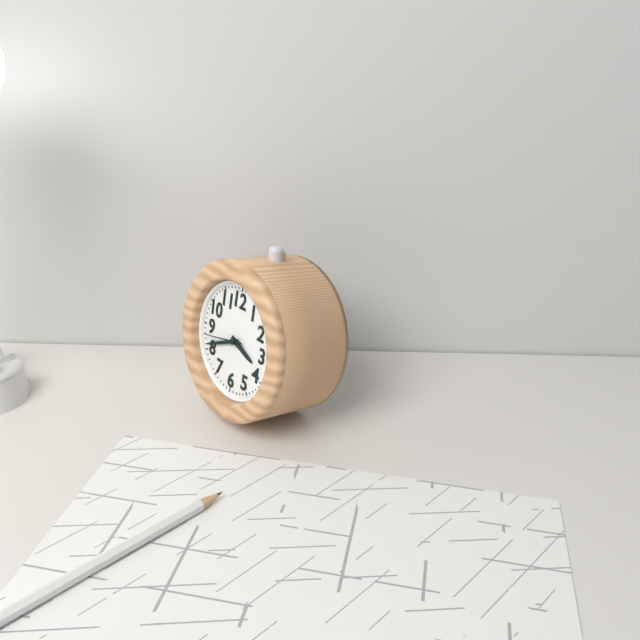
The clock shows 3:41
